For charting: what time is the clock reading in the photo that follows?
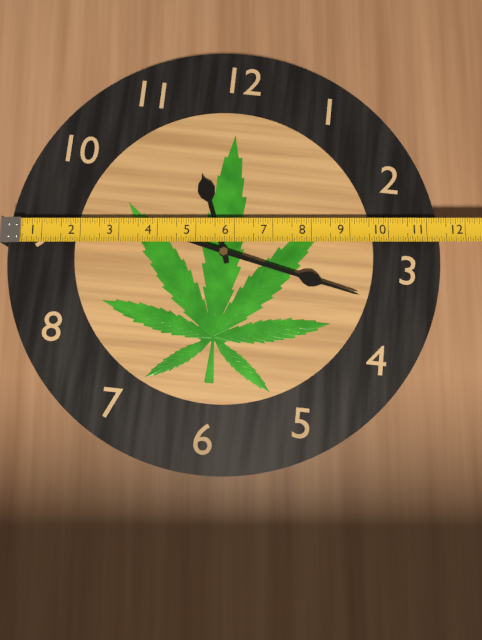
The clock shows 11:17
